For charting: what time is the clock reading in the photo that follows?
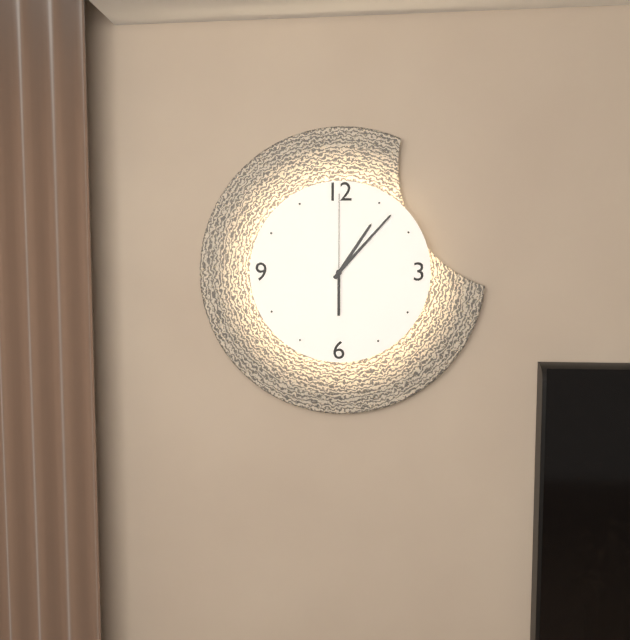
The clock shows 1:07:00
